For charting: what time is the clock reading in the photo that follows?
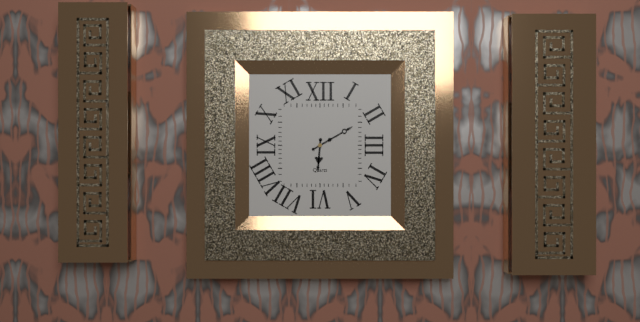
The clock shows 6:10
